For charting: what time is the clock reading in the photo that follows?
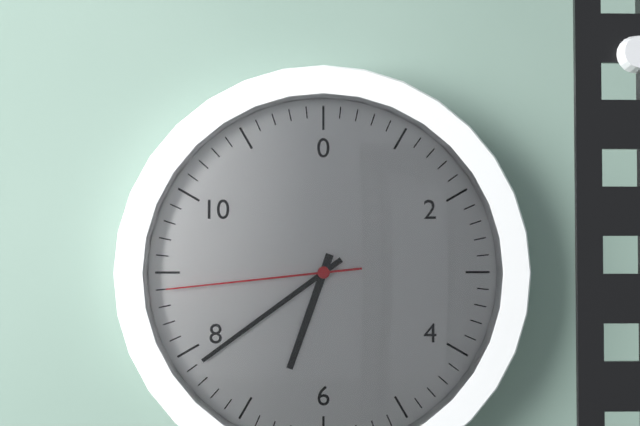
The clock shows 6:39:44
